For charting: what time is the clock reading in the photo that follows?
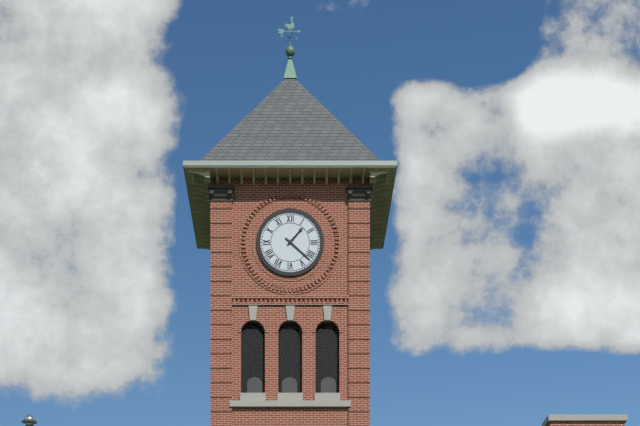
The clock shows 1:22
